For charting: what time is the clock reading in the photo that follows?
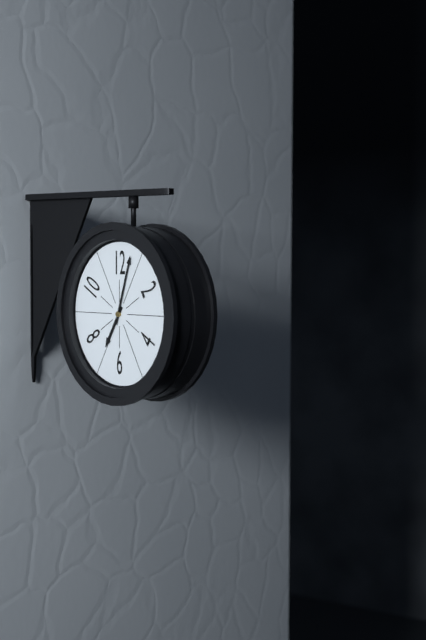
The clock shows 7:03
